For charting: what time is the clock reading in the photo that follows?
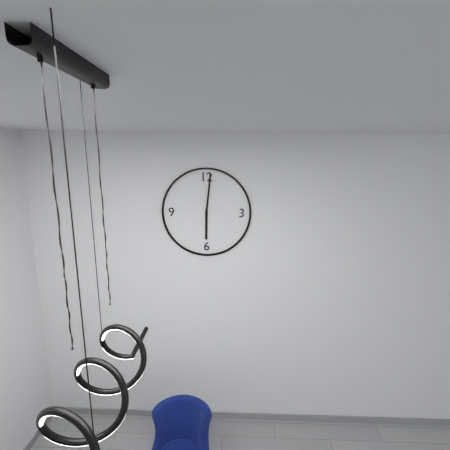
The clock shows 6:01
